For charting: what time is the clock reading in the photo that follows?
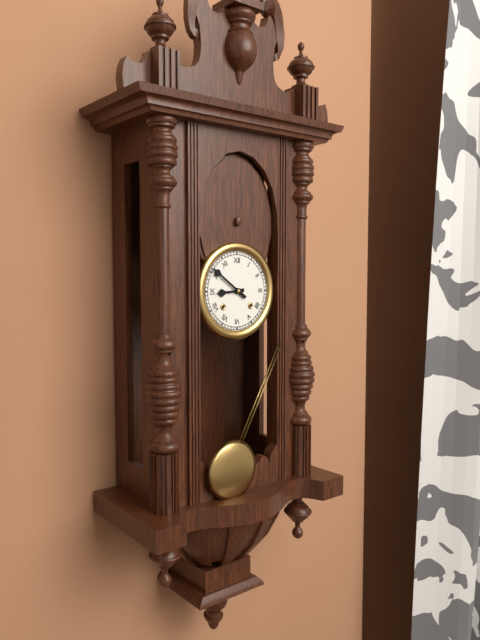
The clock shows 8:51
